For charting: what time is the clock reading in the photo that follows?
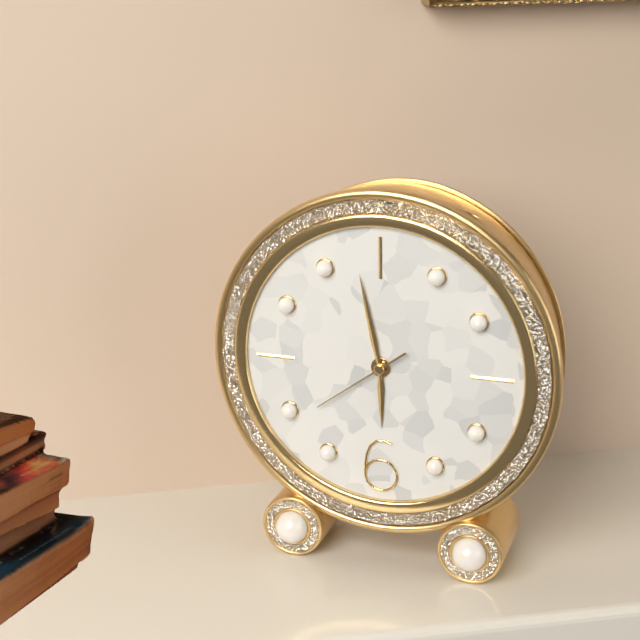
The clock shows 5:58:39
